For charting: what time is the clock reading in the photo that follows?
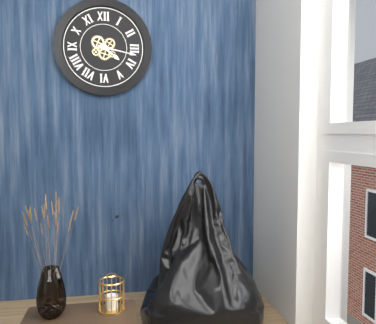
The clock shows 4:17
